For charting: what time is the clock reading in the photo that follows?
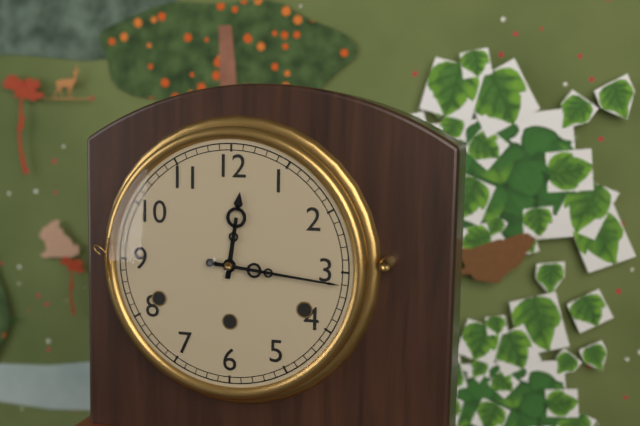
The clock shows 12:16
